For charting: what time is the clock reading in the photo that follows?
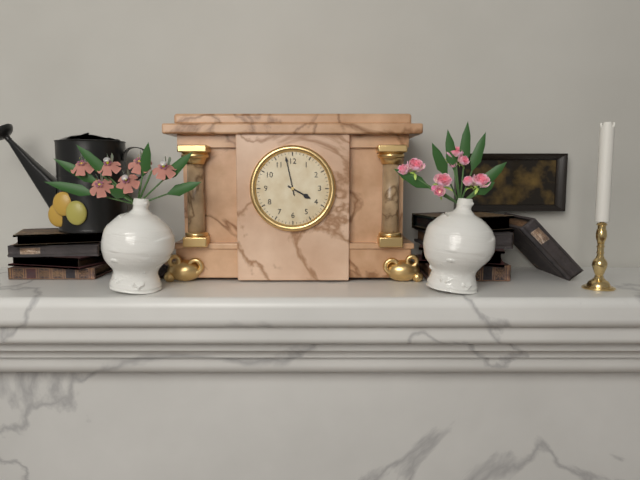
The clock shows 3:58
